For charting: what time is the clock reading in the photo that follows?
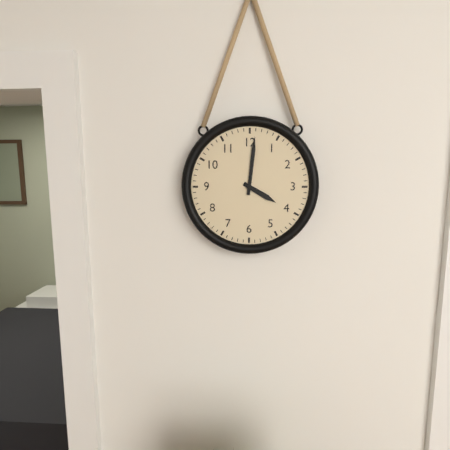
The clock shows 4:01
